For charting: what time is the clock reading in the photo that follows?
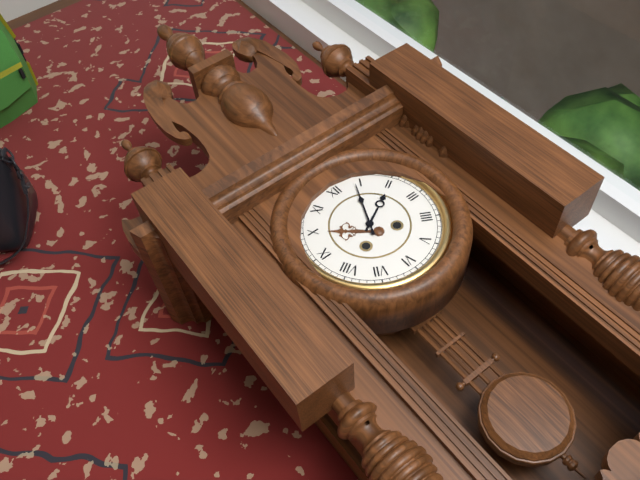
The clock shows 2:04
